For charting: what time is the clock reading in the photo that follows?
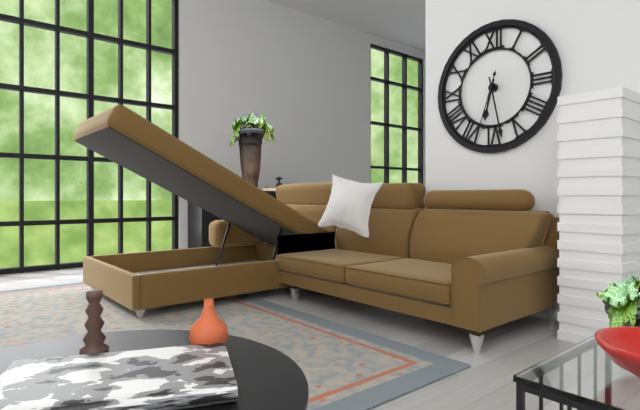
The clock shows 6:28:33
